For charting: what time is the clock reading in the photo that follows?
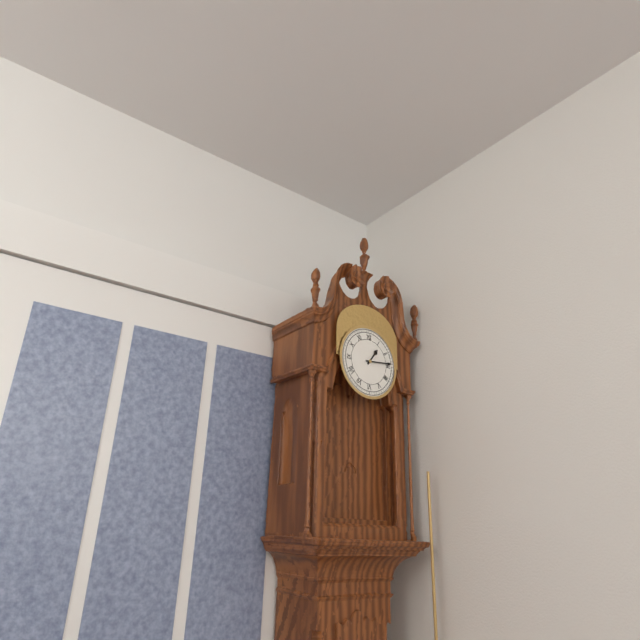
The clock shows 1:14
